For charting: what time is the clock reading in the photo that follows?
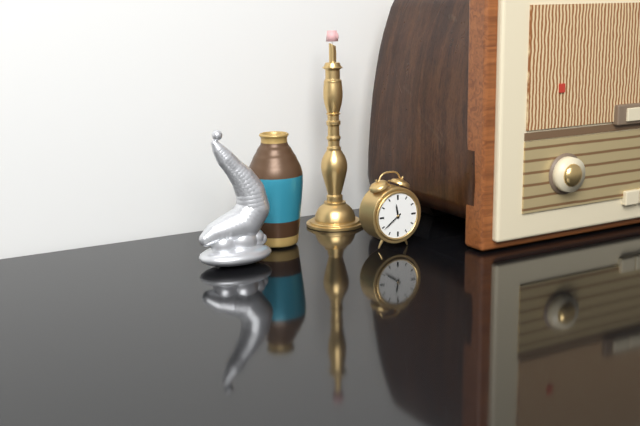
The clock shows 11:39
